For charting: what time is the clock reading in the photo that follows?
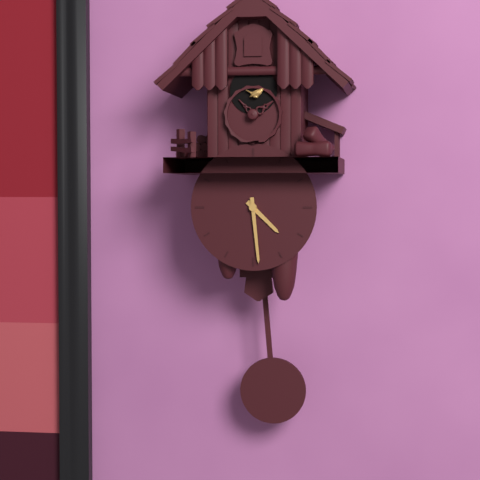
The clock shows 4:29
